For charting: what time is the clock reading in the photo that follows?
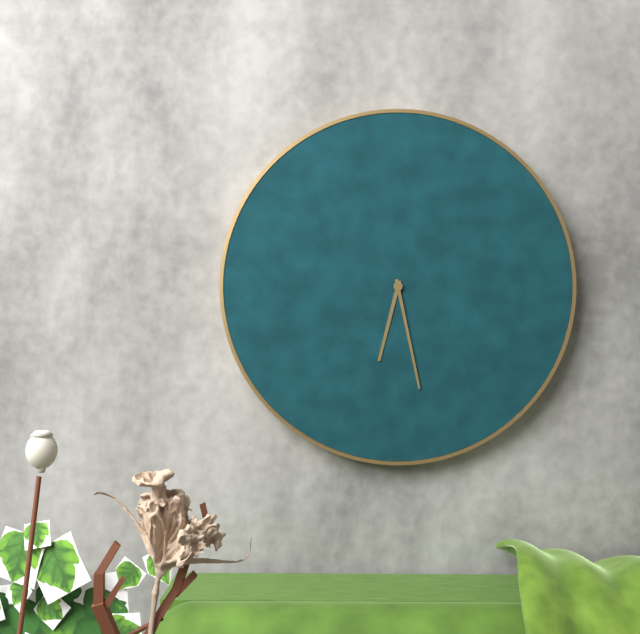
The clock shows 6:28
